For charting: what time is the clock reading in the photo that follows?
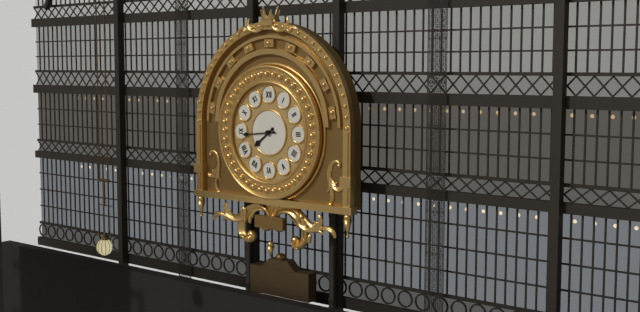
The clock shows 7:44
